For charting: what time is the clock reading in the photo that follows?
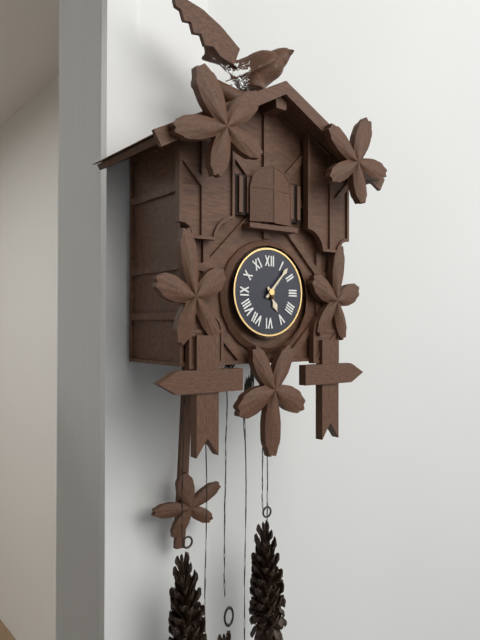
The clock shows 5:07
